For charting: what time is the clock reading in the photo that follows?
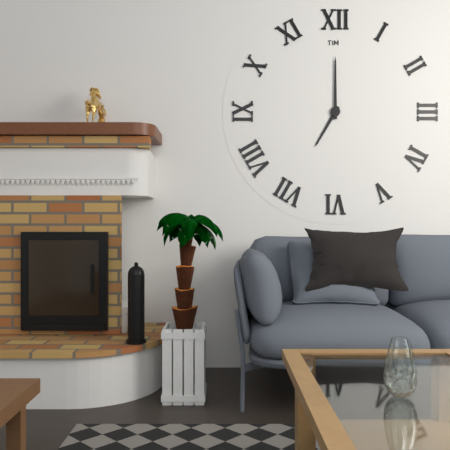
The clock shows 7:00
